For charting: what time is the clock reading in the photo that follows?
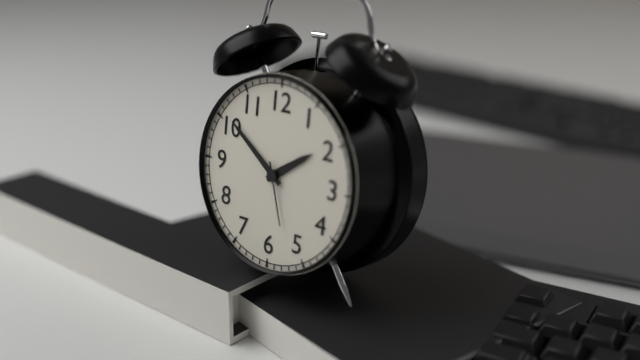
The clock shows 1:51:27
